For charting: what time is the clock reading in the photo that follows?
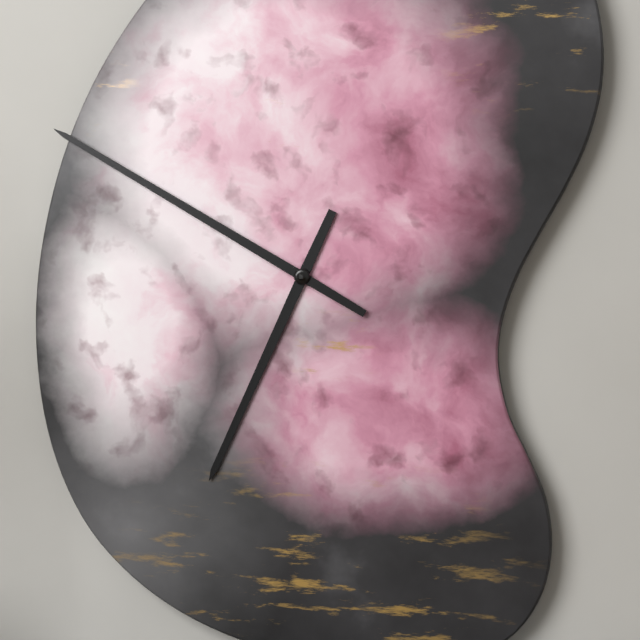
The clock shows 6:50
